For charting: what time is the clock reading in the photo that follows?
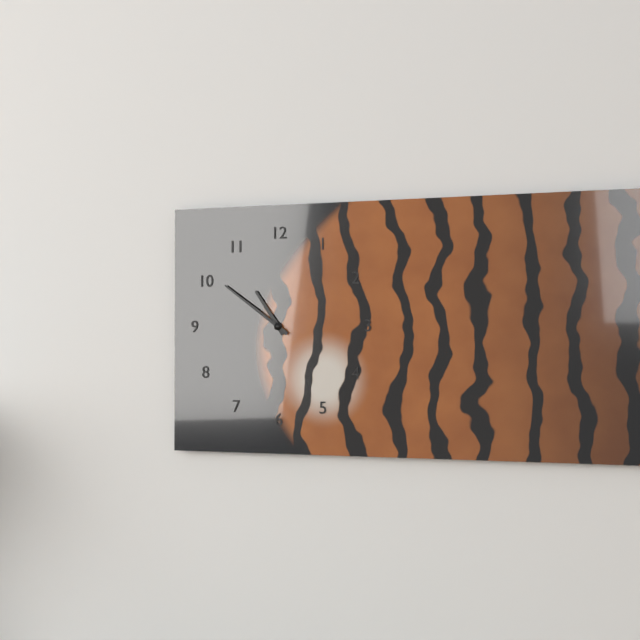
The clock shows 10:51
